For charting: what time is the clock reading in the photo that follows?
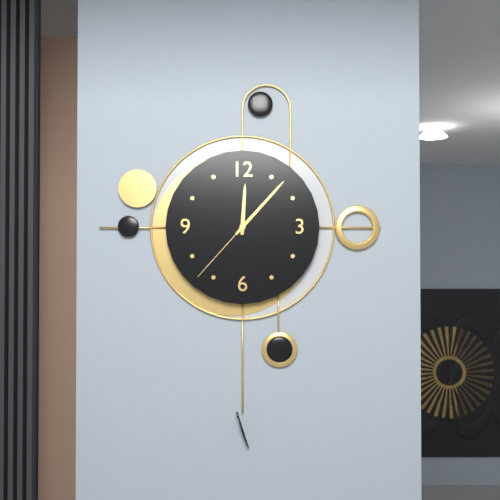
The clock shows 12:07:37
